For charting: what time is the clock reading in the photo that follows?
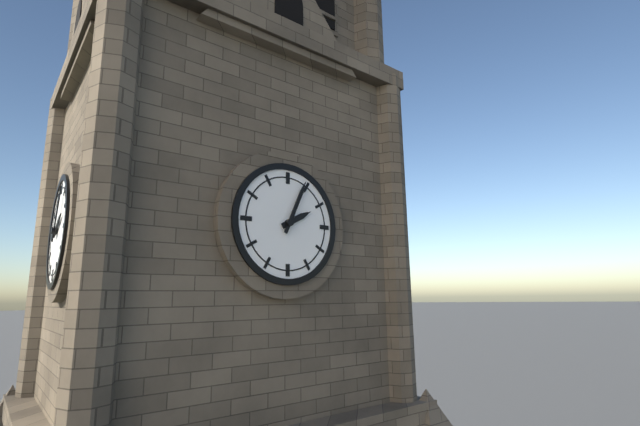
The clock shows 2:04
